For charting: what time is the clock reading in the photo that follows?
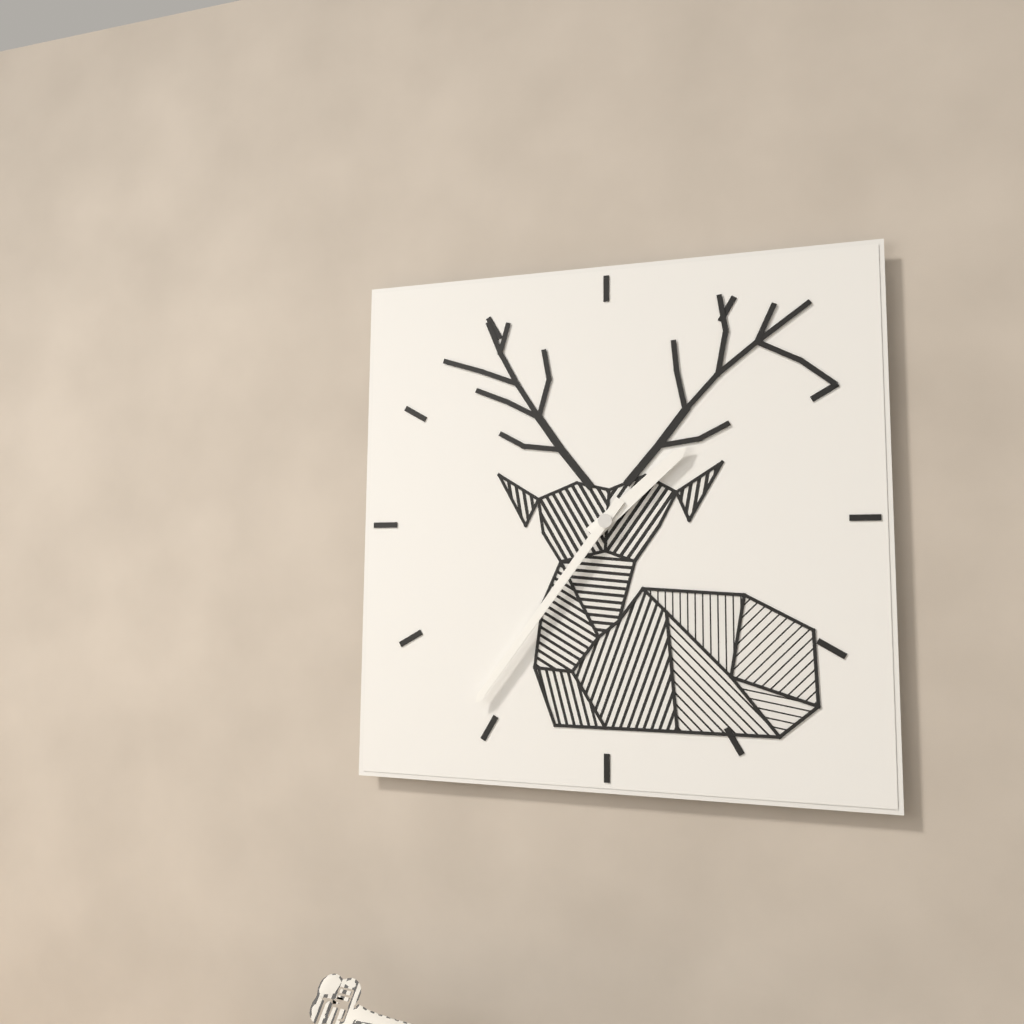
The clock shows 1:36
